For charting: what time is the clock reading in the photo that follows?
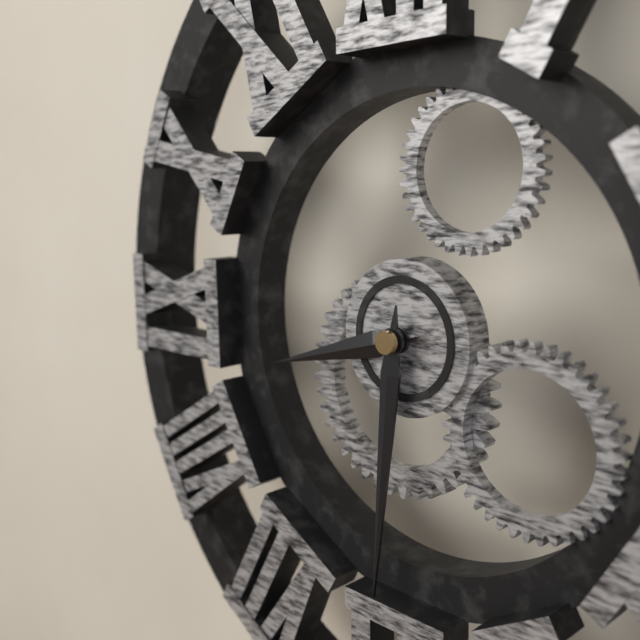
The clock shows 8:31
